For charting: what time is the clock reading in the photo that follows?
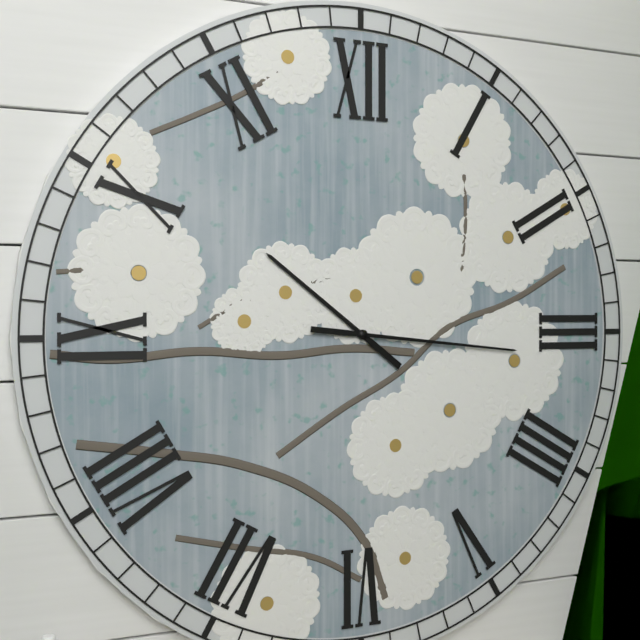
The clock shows 10:16
